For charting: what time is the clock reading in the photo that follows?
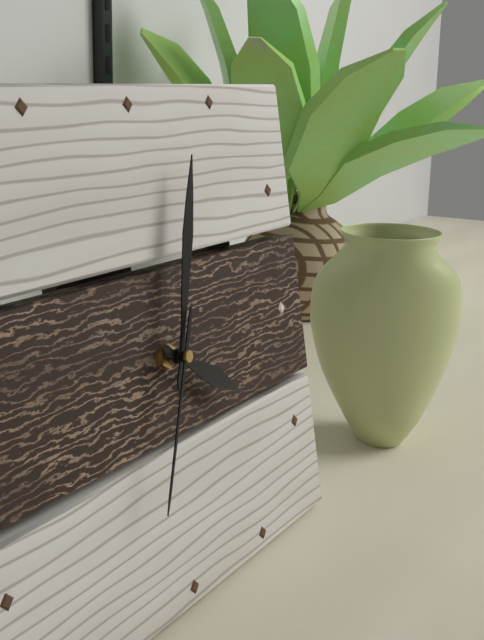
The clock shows 4:03:34
